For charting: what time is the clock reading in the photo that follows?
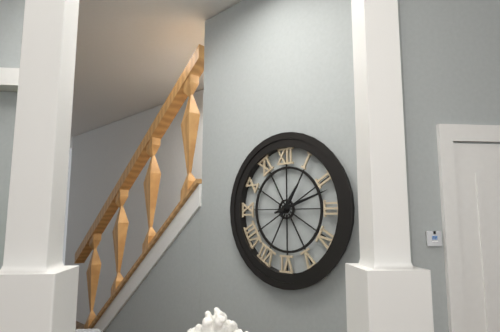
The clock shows 1:12
